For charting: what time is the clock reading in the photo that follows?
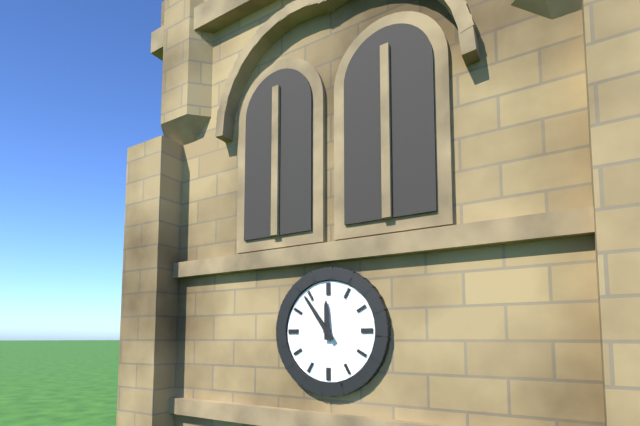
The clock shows 11:54
